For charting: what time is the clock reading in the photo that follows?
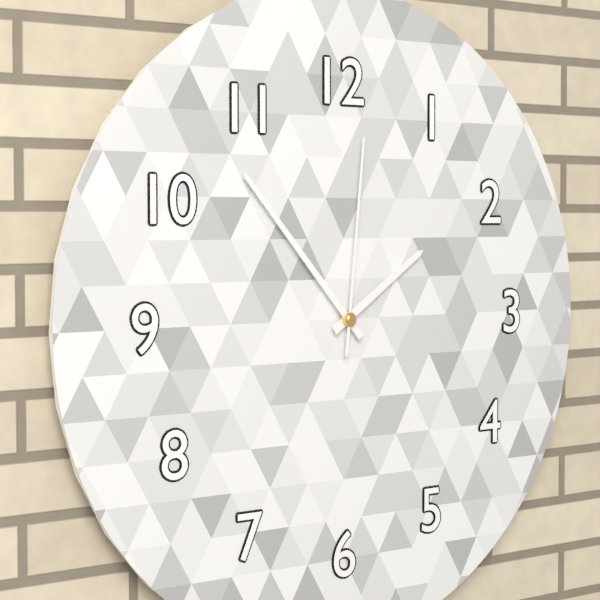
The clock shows 1:53:01
